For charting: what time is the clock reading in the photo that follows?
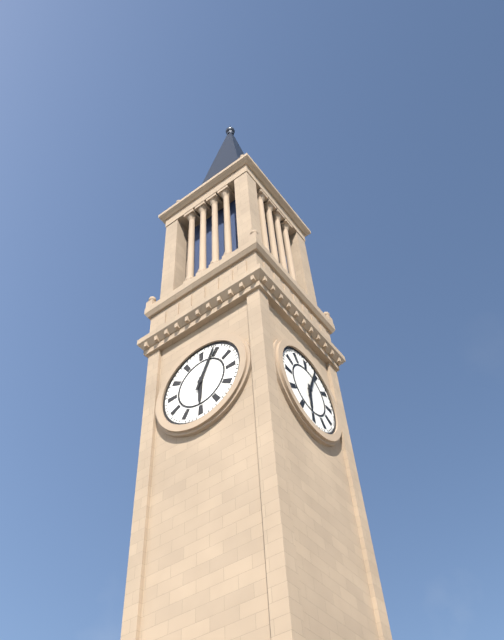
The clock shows 6:04
